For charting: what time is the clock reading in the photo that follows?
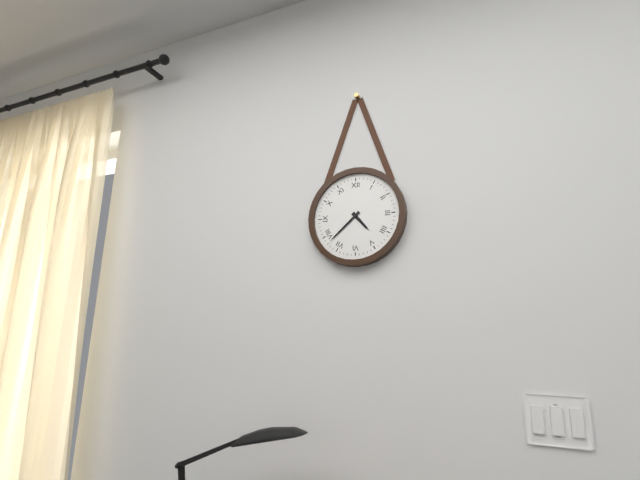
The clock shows 4:38
